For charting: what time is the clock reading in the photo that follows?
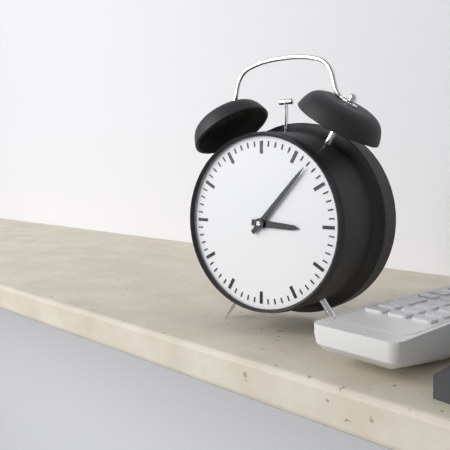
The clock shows 3:07
